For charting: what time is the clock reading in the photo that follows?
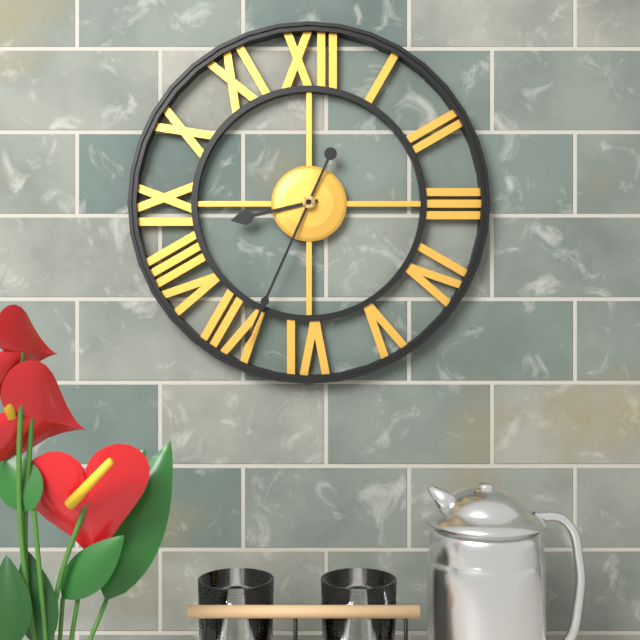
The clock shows 8:34
